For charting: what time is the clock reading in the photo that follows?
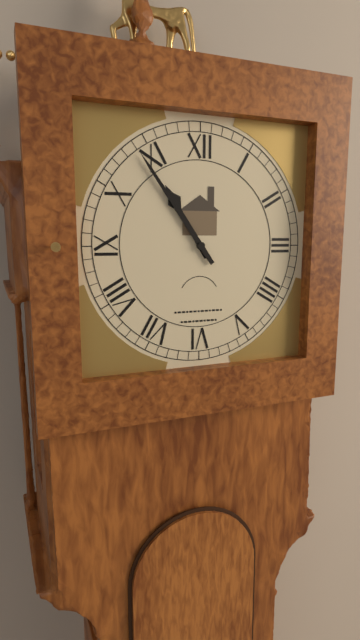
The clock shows 10:54
